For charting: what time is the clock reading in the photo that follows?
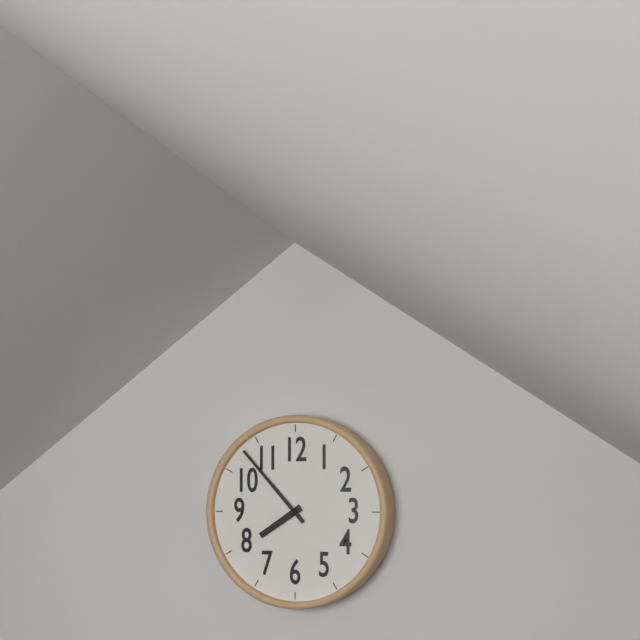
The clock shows 7:53
